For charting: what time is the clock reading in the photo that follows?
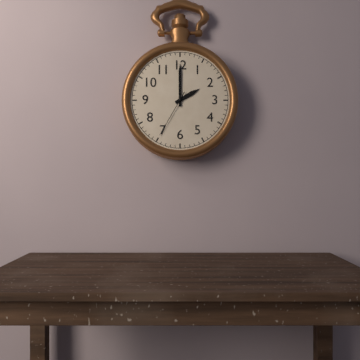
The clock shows 2:00:35
